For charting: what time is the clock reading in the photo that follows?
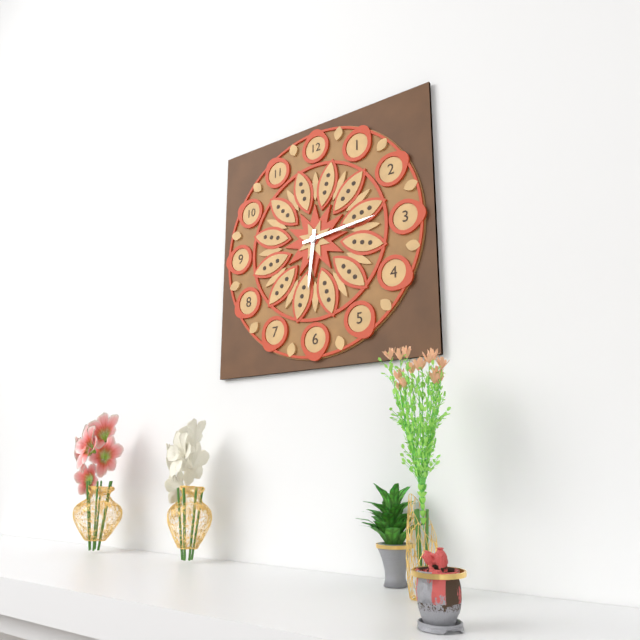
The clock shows 6:14
